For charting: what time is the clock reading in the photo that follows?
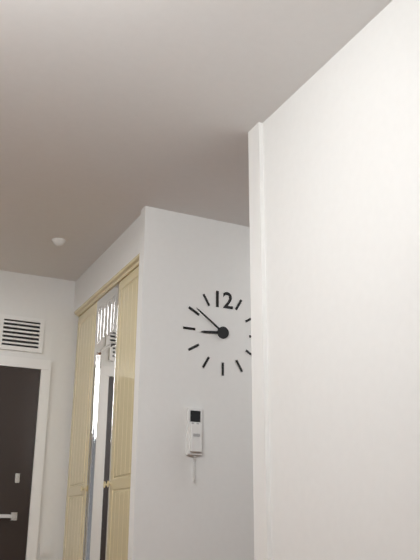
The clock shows 8:51
